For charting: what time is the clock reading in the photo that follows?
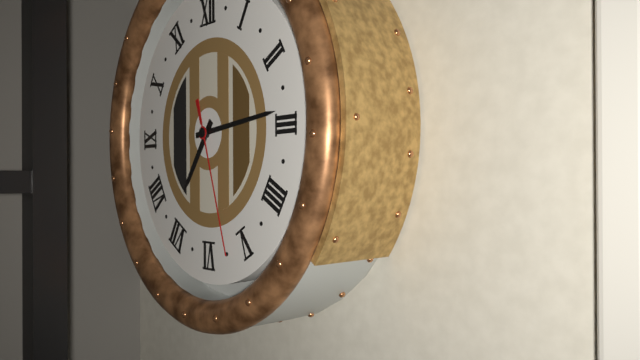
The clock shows 7:14:27
